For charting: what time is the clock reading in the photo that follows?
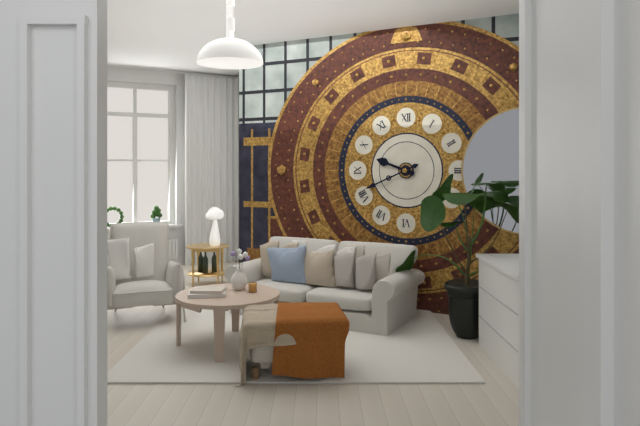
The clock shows 9:41
